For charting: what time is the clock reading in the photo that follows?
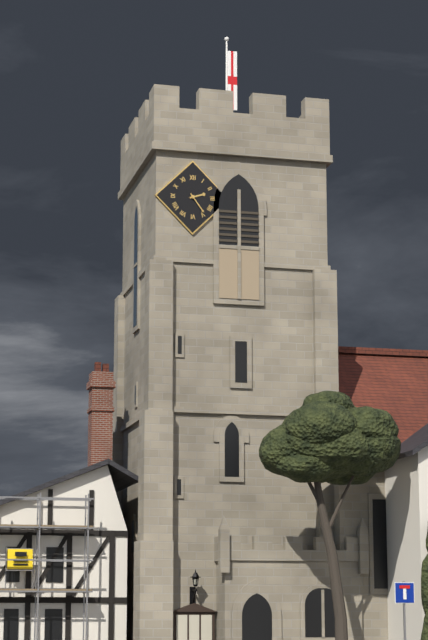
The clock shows 2:24
